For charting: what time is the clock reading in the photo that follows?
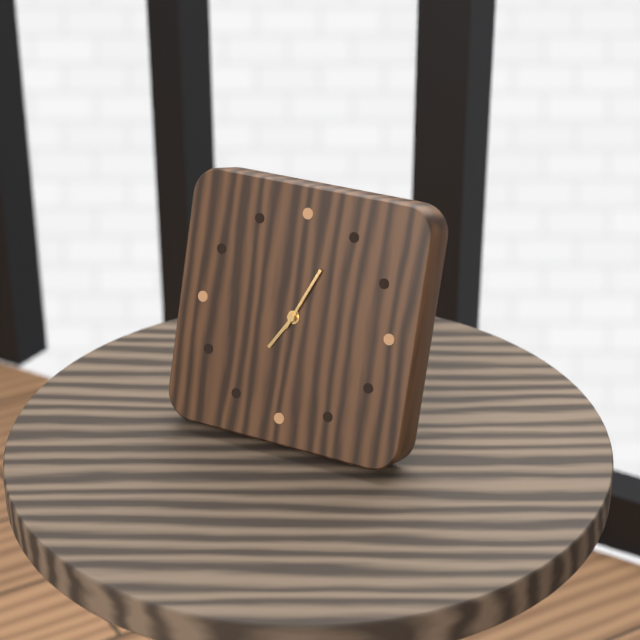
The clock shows 7:04
